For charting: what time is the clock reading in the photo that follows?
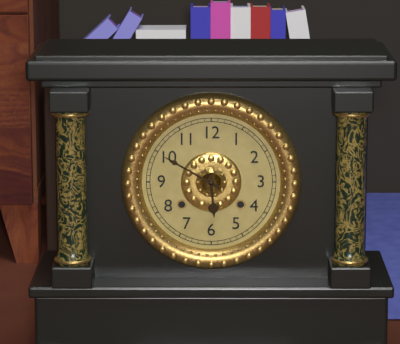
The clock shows 5:50
